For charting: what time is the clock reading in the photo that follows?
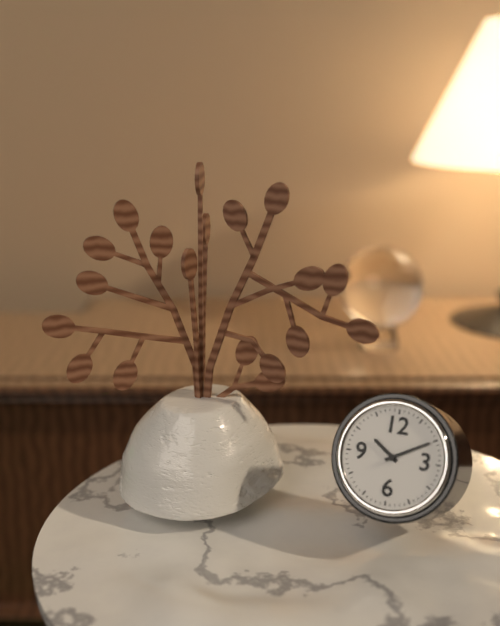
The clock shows 10:10
